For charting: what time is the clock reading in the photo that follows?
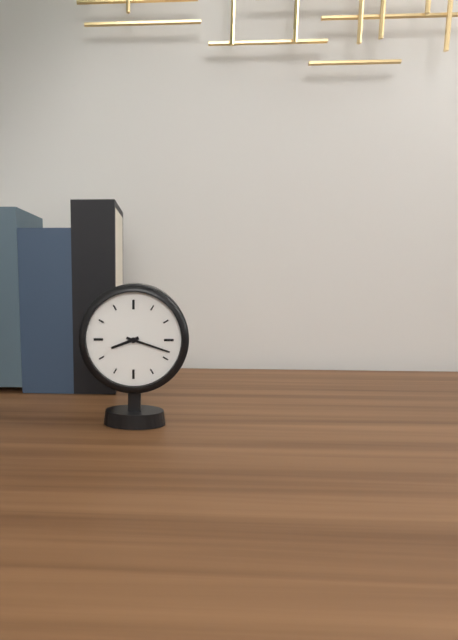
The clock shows 8:18
